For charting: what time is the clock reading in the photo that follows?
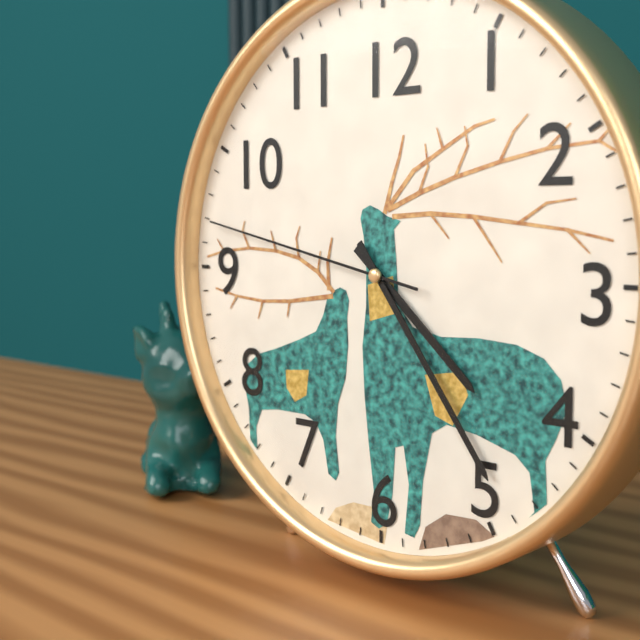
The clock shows 4:24:47
